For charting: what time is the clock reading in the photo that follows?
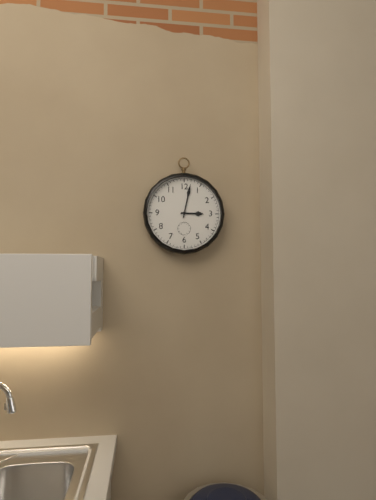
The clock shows 3:02
